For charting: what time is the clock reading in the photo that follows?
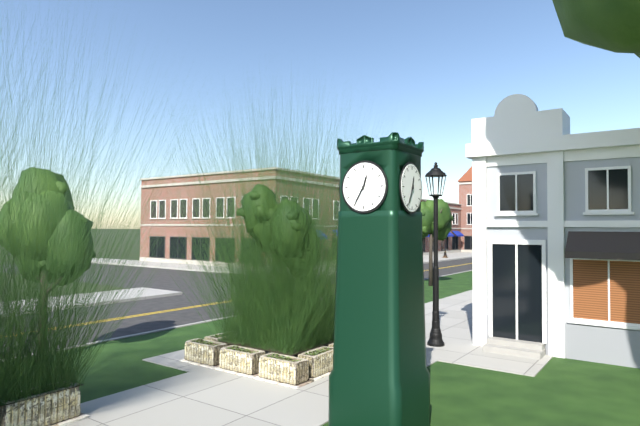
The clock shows 12:35
